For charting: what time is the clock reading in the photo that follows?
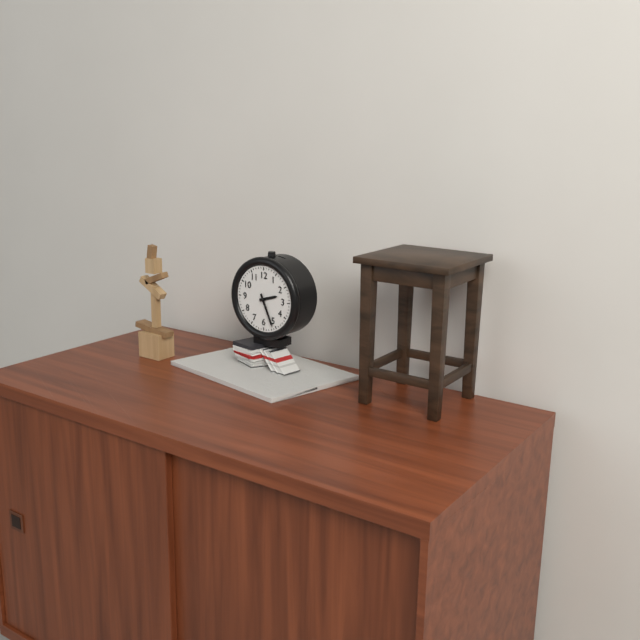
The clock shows 2:26
